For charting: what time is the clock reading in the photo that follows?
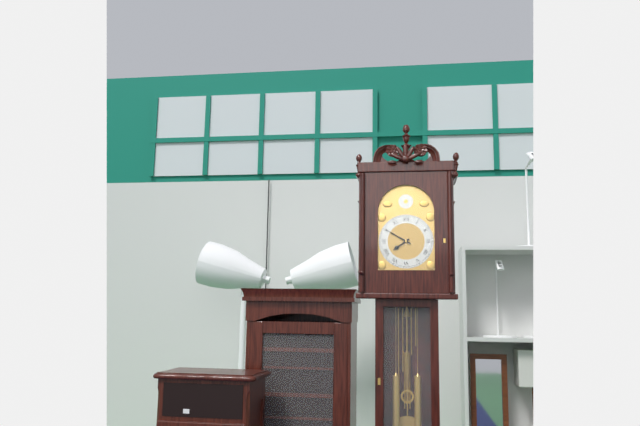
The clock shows 7:50
